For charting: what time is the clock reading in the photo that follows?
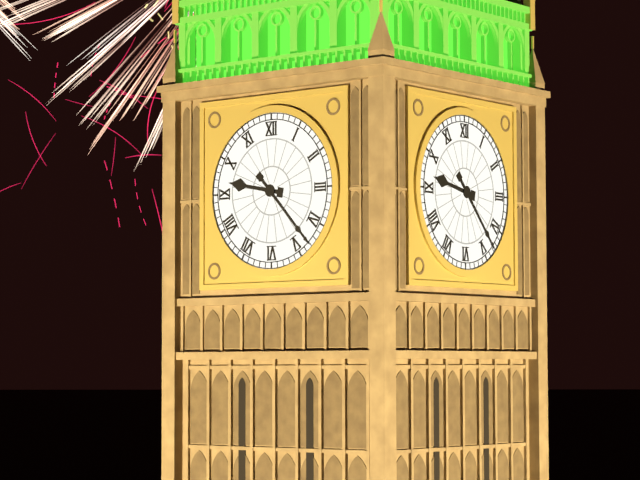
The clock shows 9:23
